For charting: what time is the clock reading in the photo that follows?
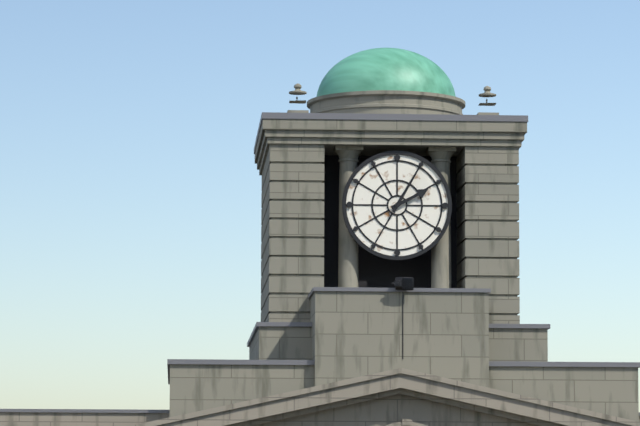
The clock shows 2:05
